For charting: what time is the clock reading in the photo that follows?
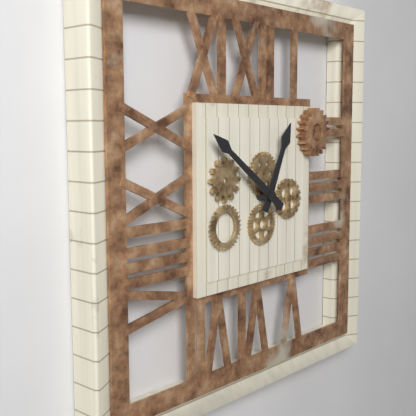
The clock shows 12:51
